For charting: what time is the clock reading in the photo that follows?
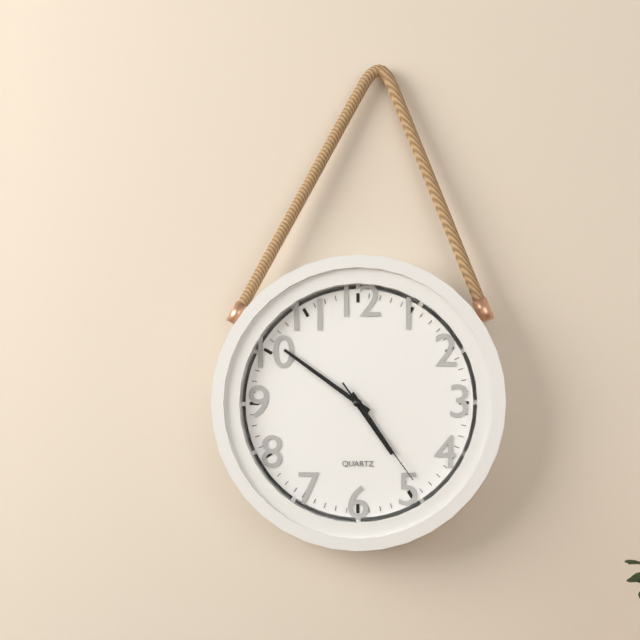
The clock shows 4:51:24
